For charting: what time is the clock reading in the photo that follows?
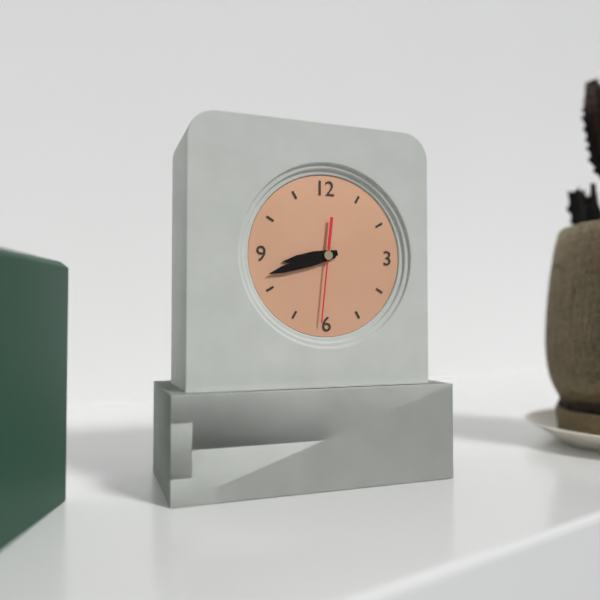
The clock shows 8:42:31
